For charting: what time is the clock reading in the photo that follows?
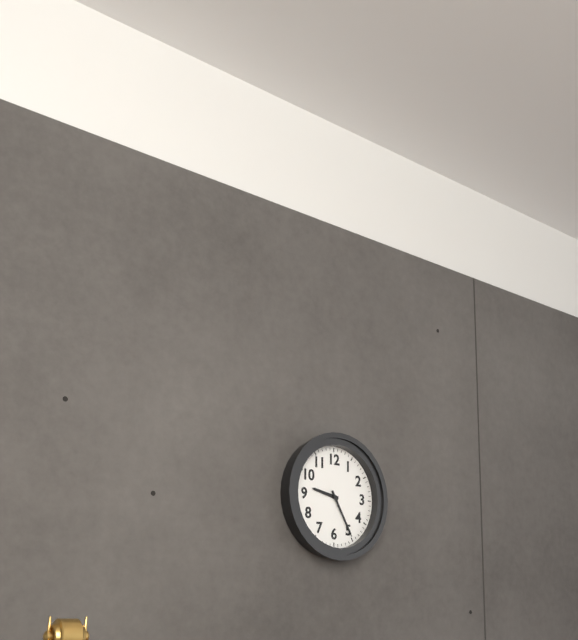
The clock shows 9:25
